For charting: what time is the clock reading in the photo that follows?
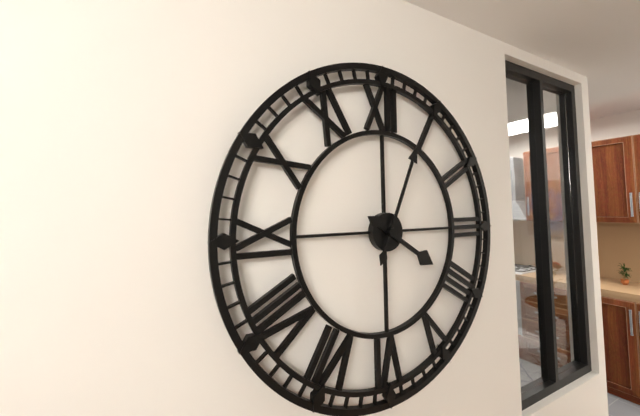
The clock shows 4:04
